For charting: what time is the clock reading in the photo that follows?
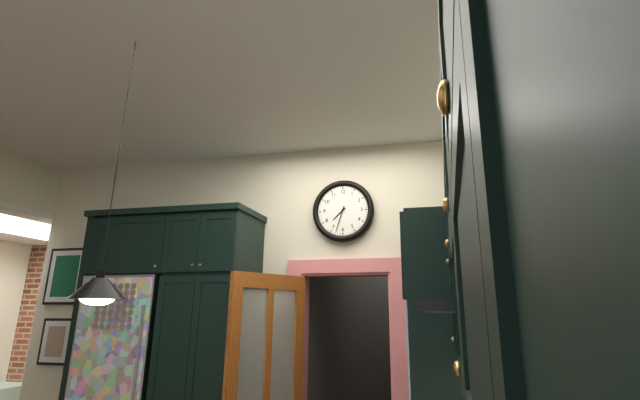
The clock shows 7:33
